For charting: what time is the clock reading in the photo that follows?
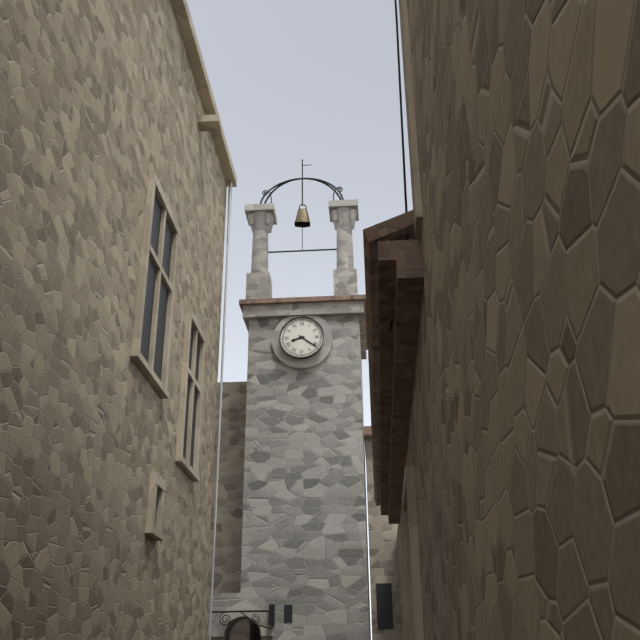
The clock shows 8:21
